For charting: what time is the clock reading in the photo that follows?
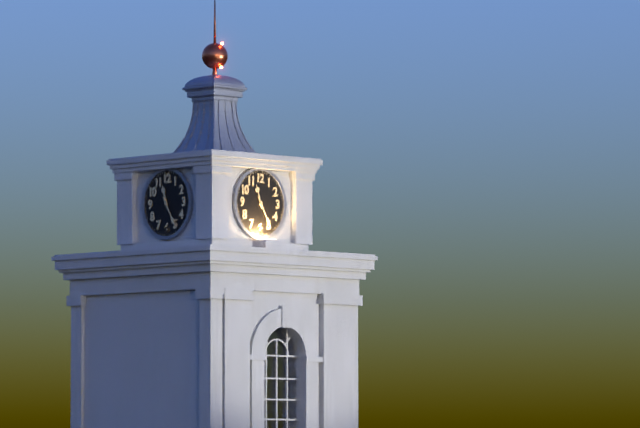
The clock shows 11:25
